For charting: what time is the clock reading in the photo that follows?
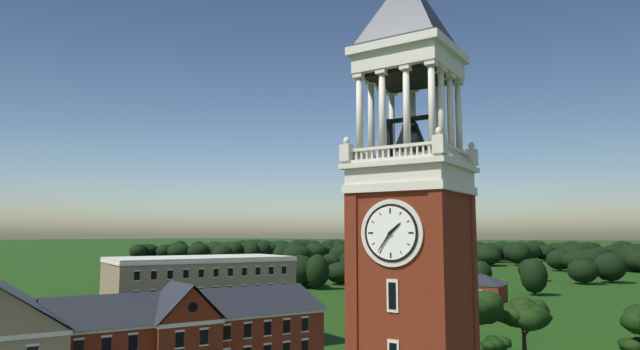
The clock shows 1:36
